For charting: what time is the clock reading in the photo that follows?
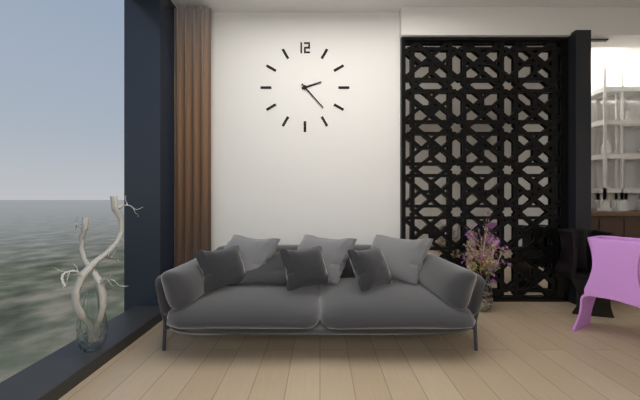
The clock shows 2:23
